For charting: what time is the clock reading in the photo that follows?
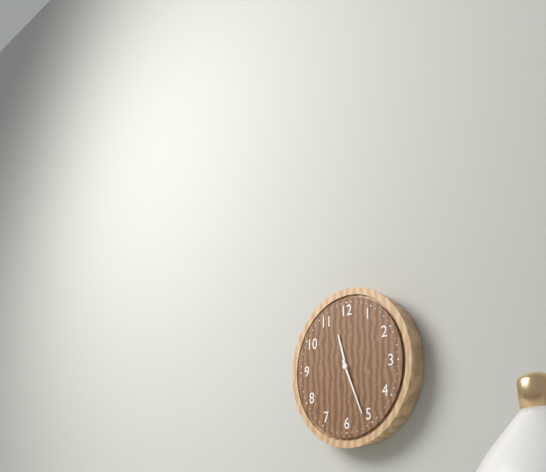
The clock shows 11:26
